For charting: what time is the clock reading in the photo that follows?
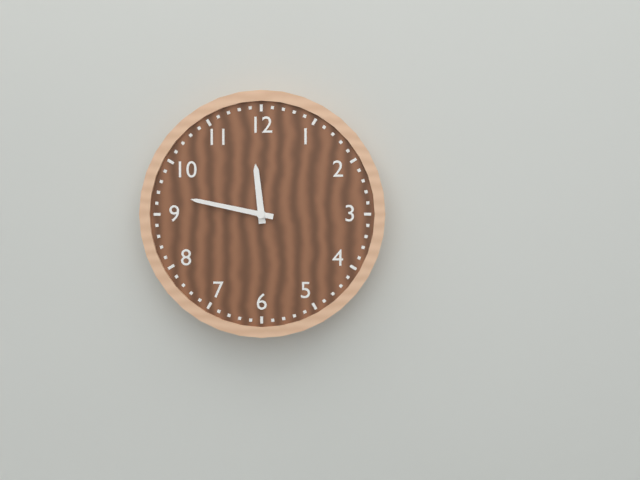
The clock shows 11:47
